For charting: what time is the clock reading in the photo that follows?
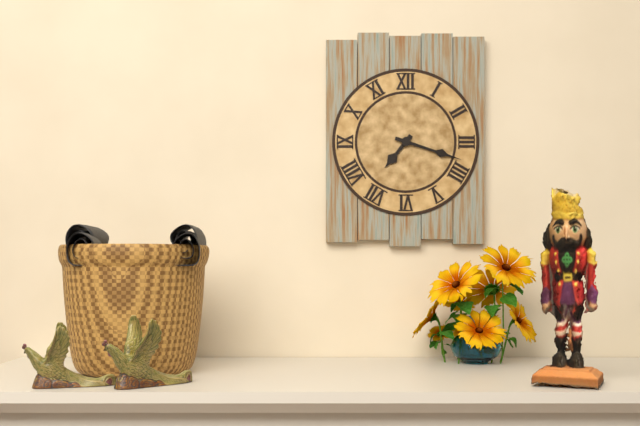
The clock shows 7:18
